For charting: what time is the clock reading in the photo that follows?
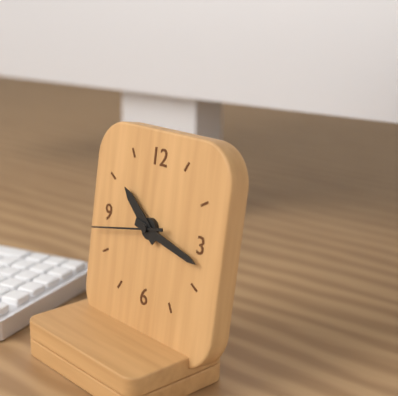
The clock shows 10:17:43
